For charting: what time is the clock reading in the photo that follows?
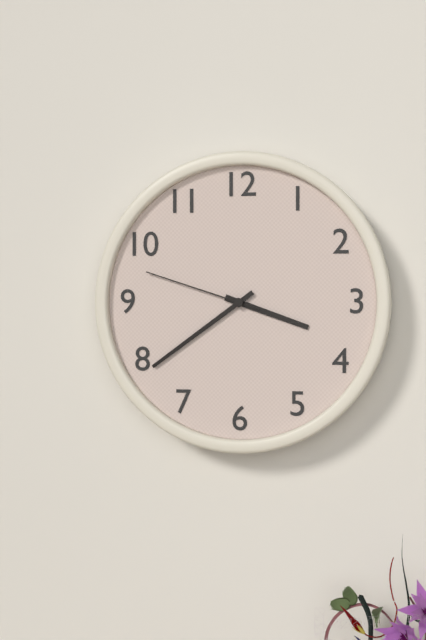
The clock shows 3:39:48
